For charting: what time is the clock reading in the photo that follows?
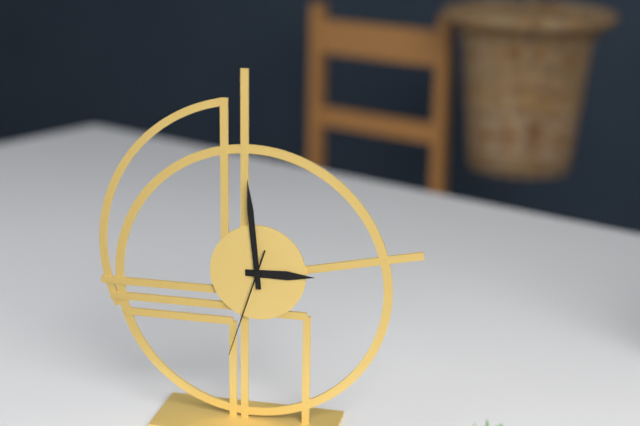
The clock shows 2:59:33
